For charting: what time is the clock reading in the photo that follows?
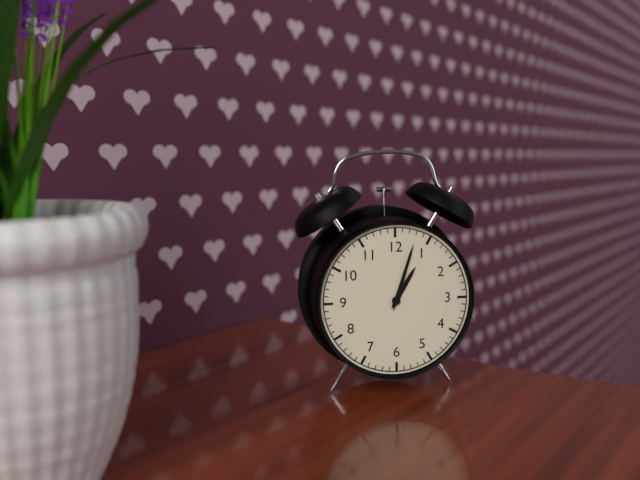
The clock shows 1:03
